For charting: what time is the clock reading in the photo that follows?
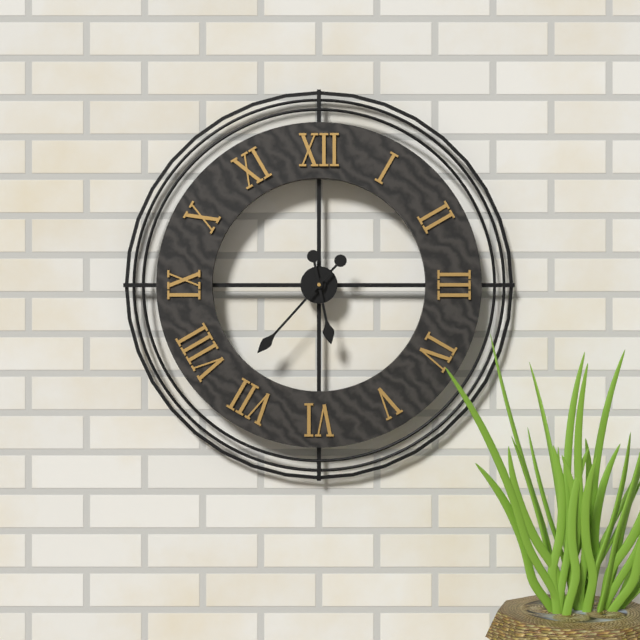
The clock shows 5:37
